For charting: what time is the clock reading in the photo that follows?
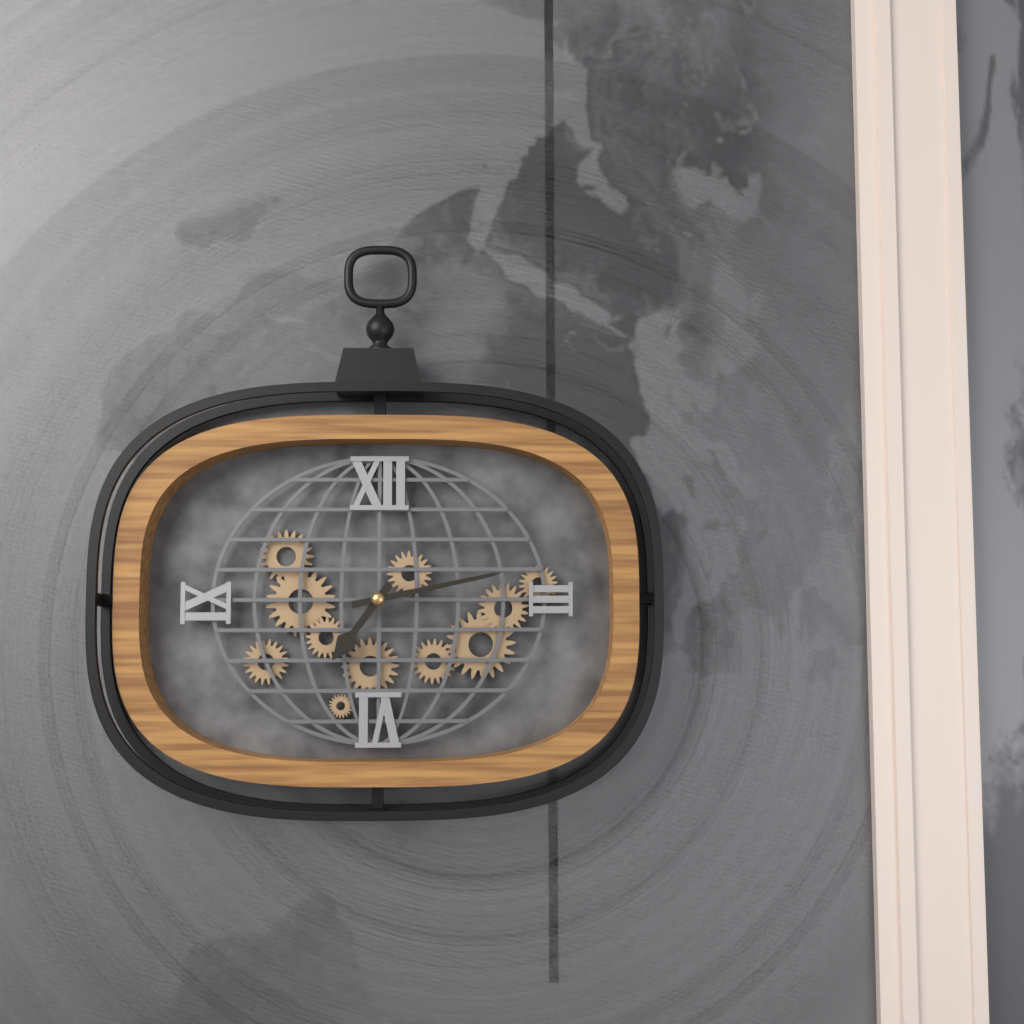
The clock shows 7:13
